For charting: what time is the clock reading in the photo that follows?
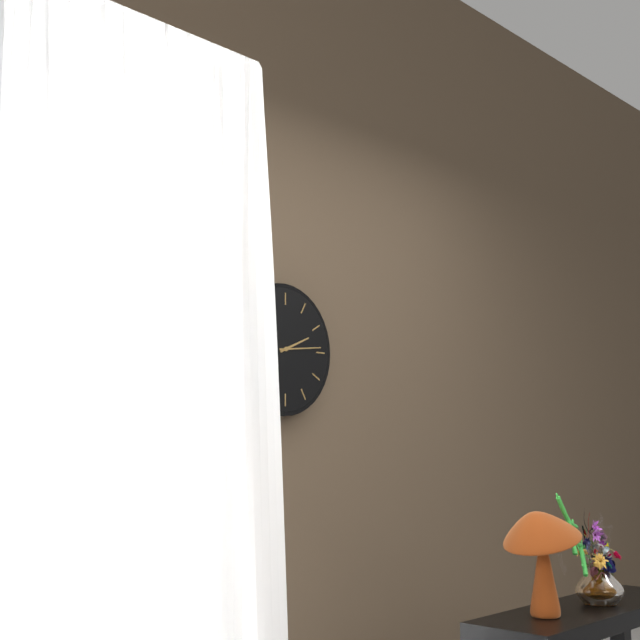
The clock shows 2:14
